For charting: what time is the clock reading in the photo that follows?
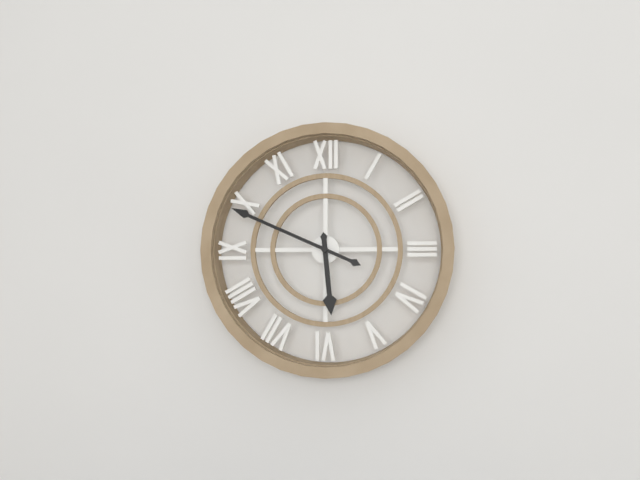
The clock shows 5:49
